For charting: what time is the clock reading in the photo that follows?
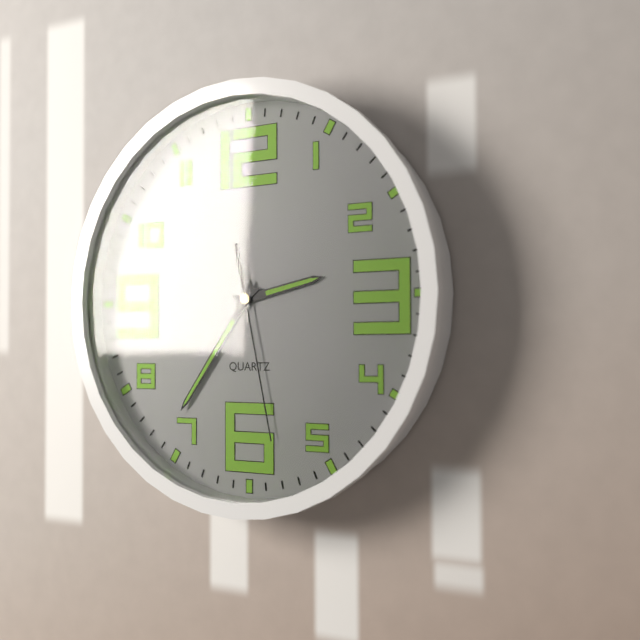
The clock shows 2:36:28
